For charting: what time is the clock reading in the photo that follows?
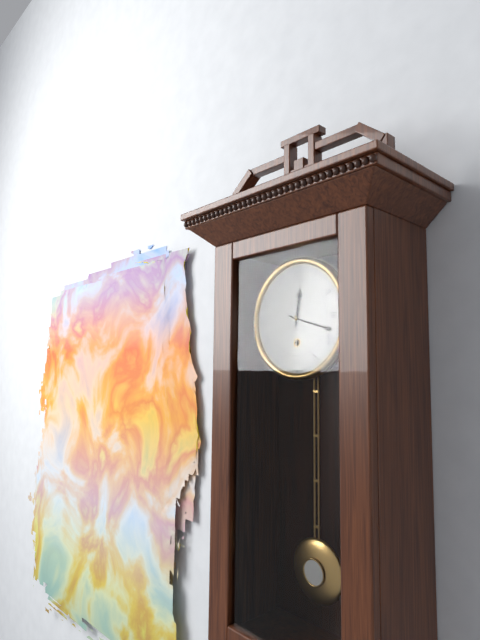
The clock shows 12:18
